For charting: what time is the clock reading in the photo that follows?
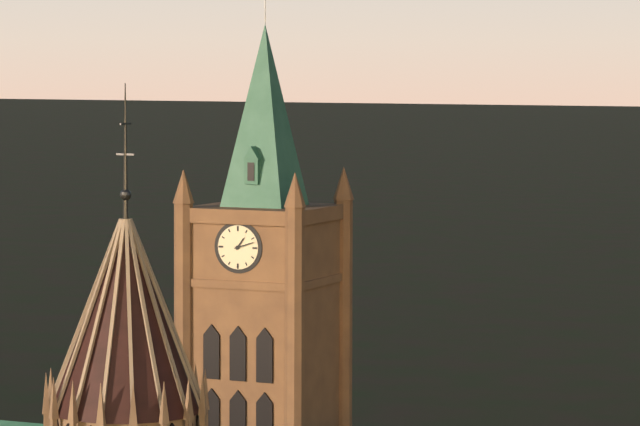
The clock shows 1:12
